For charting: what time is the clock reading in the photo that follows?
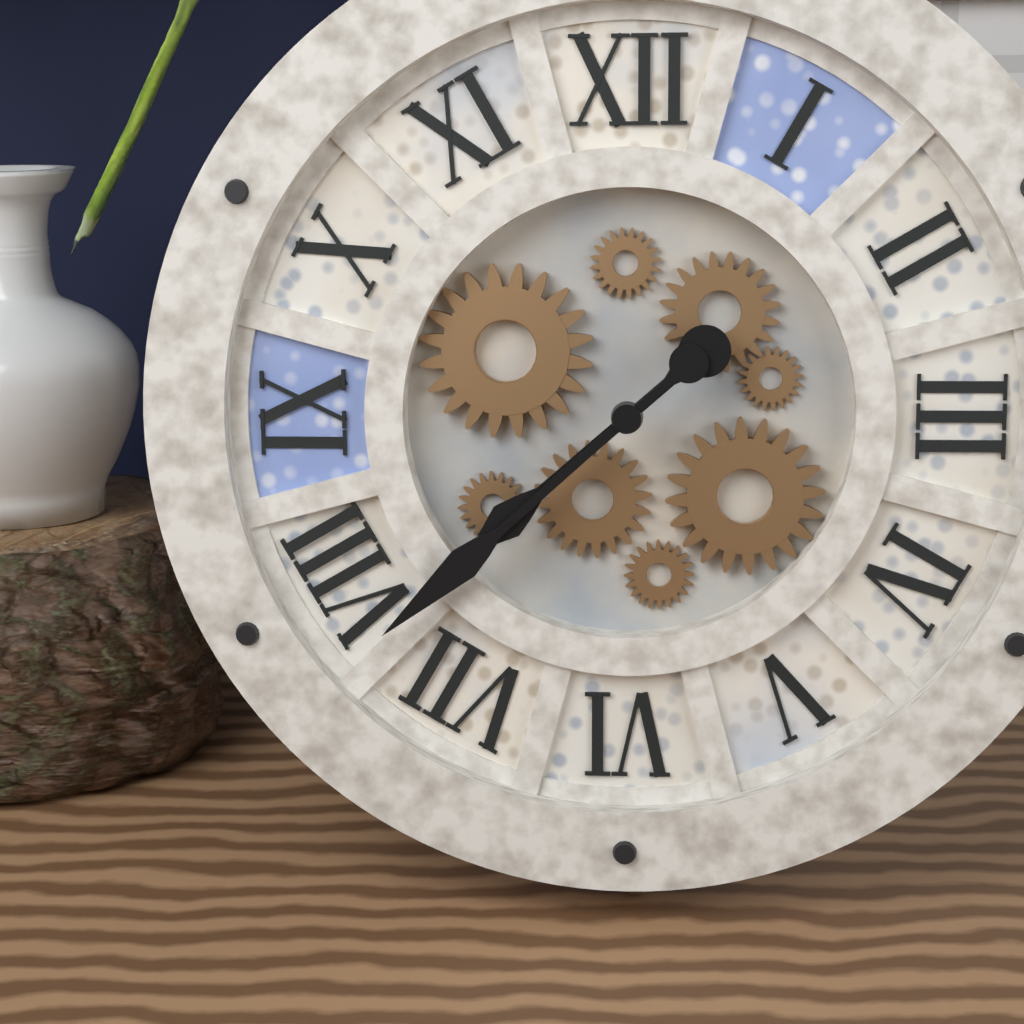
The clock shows 7:38
